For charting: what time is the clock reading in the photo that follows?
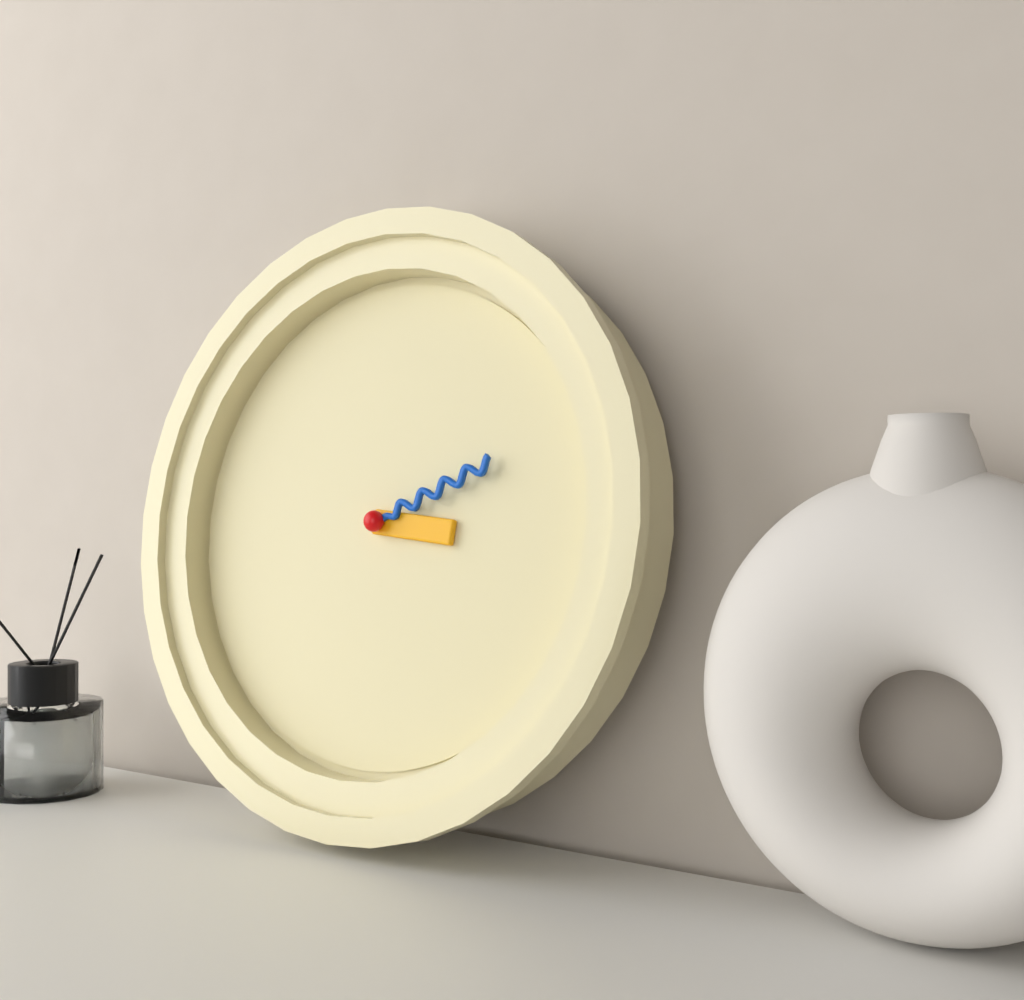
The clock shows 3:11
